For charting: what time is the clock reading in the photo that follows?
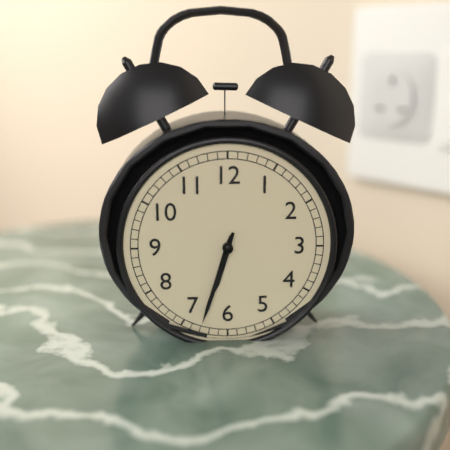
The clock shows 6:33
